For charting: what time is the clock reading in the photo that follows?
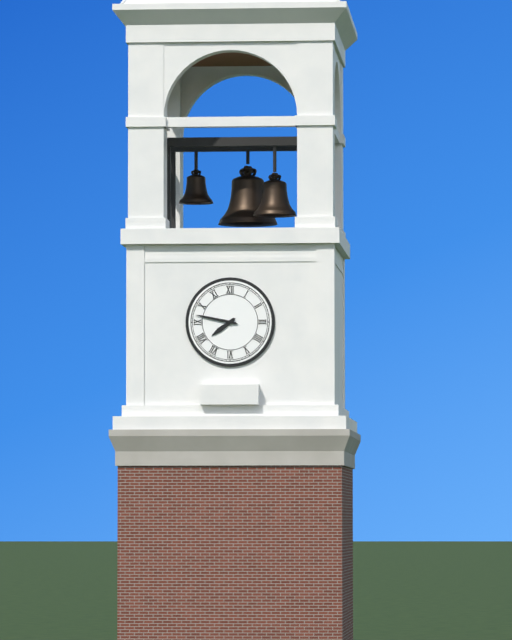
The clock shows 7:47
